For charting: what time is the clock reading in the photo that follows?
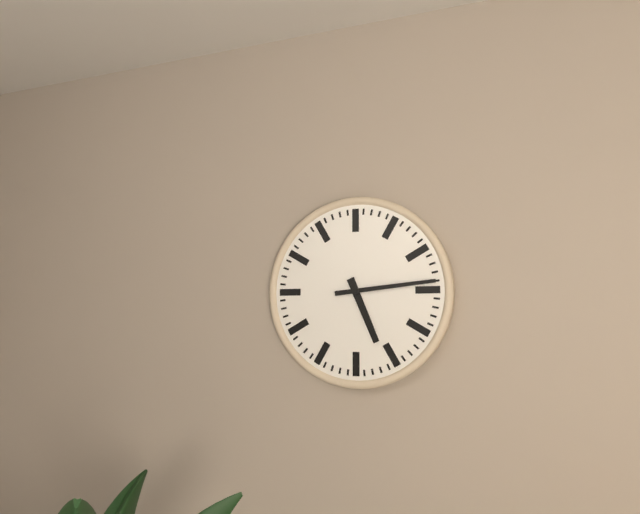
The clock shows 5:14
